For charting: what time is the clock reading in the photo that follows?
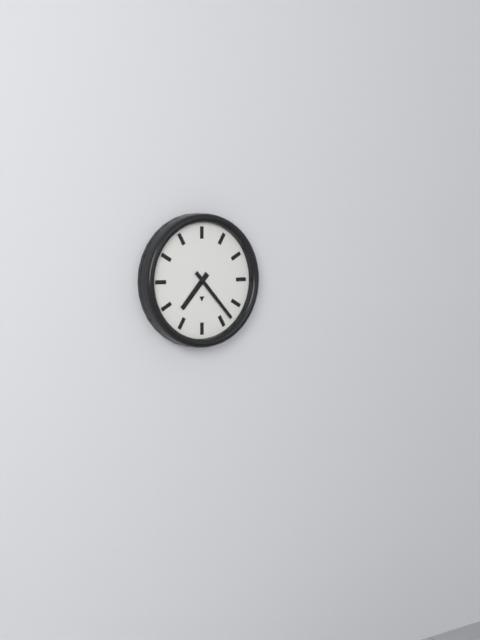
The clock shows 7:23
